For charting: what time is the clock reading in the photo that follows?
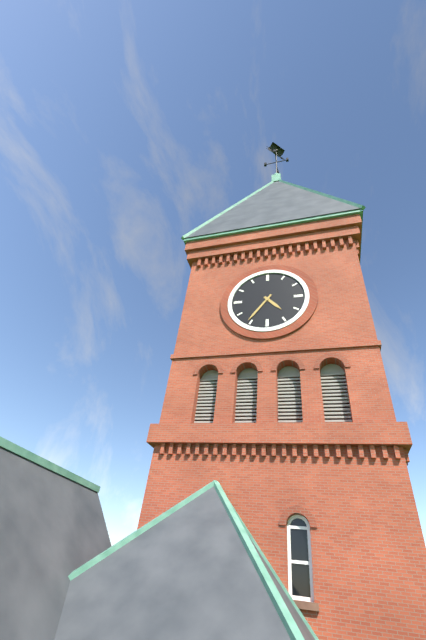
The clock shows 4:36
